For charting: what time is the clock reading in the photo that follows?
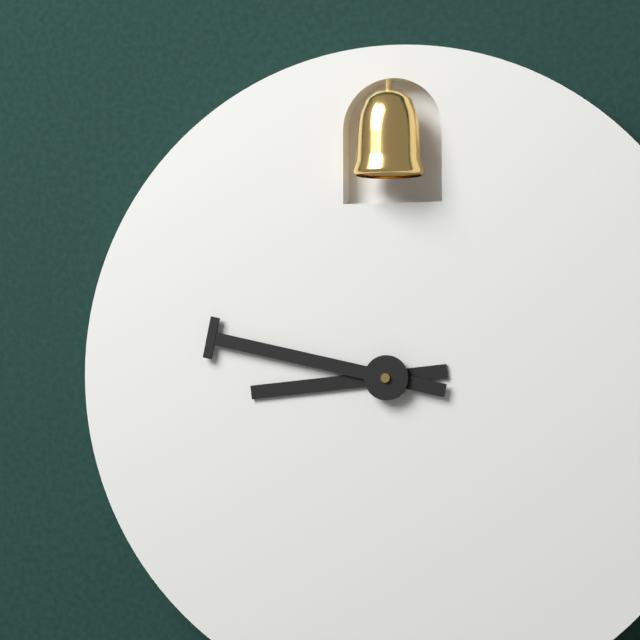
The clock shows 8:47
